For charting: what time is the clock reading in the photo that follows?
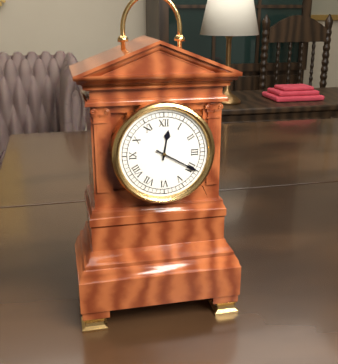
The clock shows 12:20
